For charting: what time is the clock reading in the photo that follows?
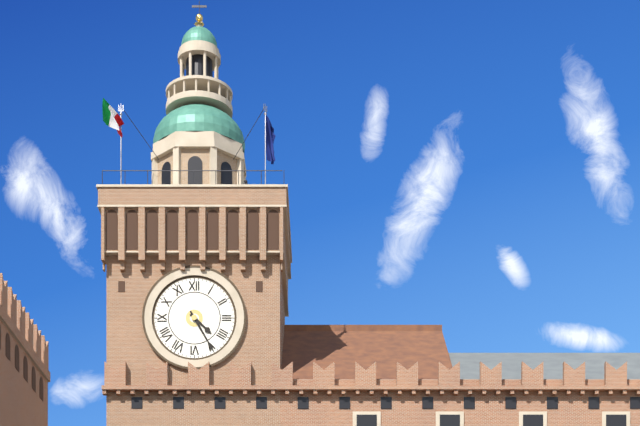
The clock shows 4:25
